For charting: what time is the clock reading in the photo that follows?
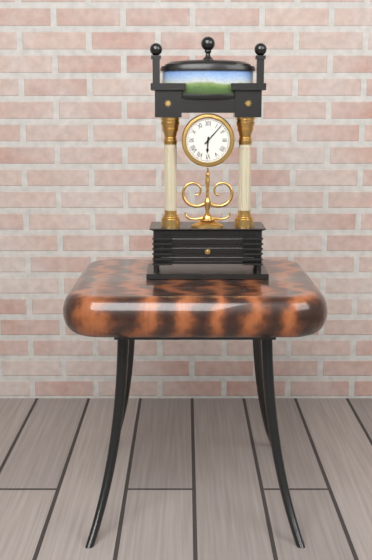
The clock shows 6:07
